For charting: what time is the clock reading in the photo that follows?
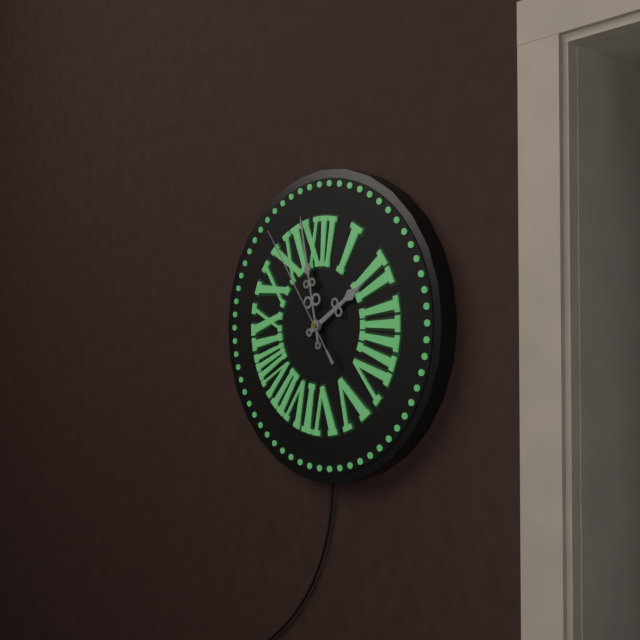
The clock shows 1:58:54
